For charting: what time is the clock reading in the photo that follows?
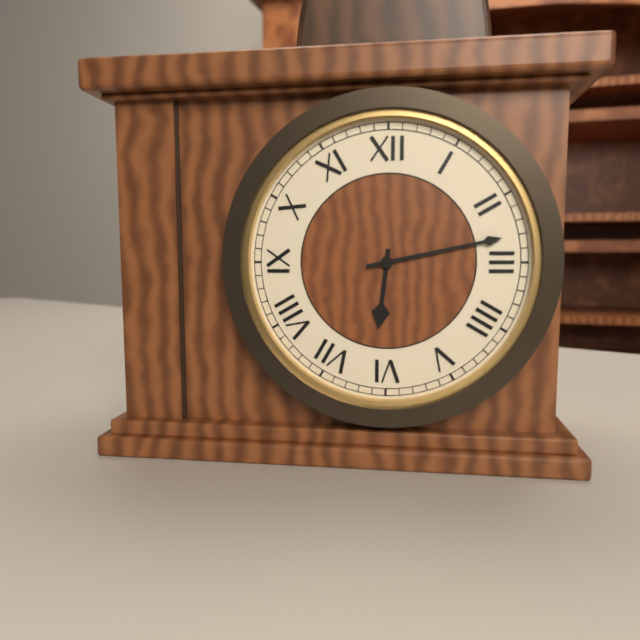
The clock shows 6:13
